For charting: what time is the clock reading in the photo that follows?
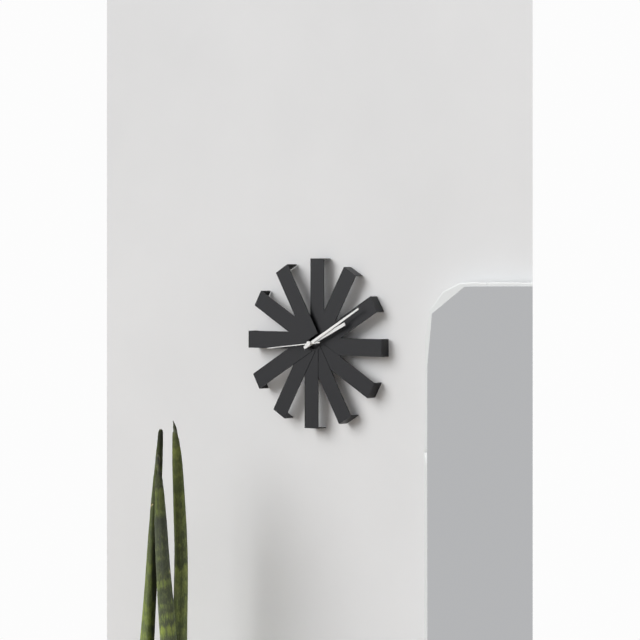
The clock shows 2:10:44
